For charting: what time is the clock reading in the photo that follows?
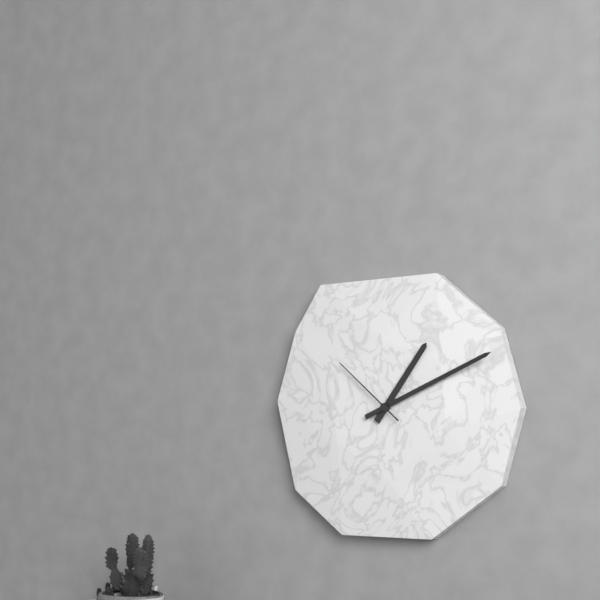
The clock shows 1:11:52
